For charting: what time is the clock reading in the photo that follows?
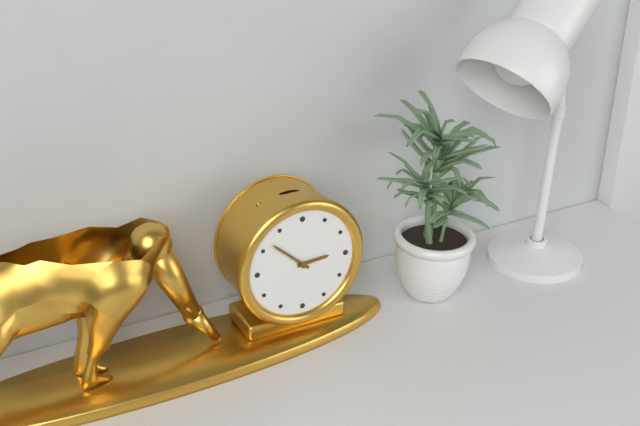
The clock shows 2:52
